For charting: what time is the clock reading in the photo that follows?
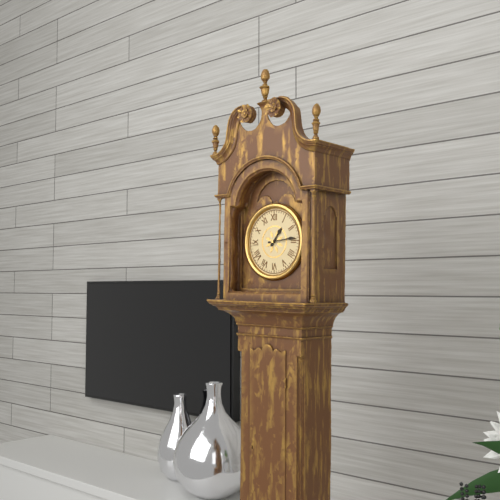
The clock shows 1:14
